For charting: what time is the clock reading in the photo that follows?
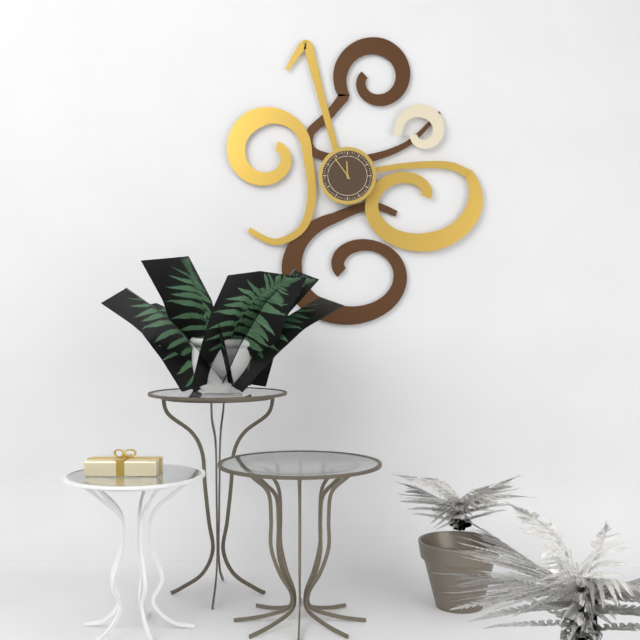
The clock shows 11:54
